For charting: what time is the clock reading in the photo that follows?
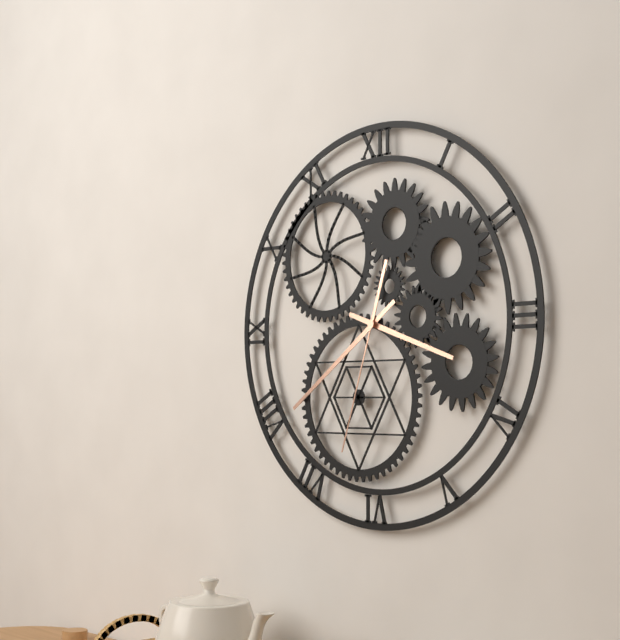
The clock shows 3:39:33
